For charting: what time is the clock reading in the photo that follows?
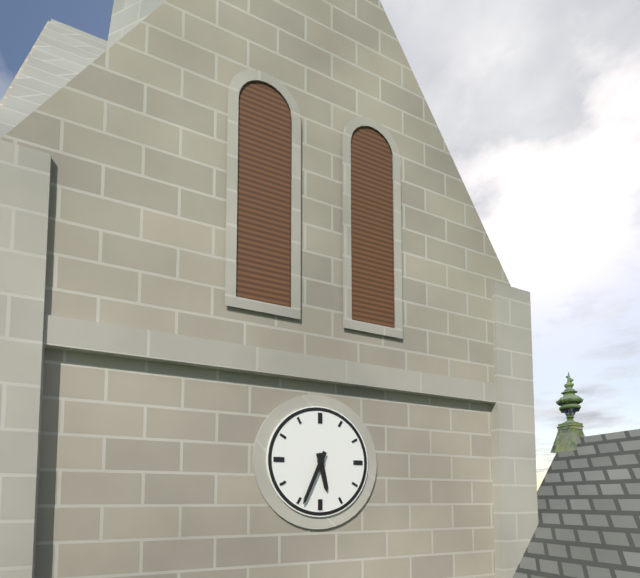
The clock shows 5:34
